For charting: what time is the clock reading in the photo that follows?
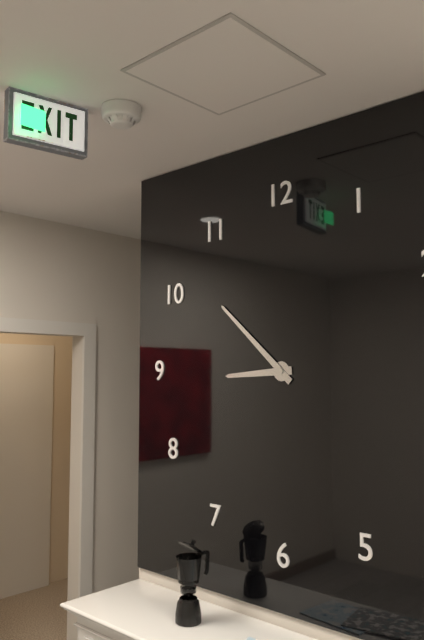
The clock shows 8:52
